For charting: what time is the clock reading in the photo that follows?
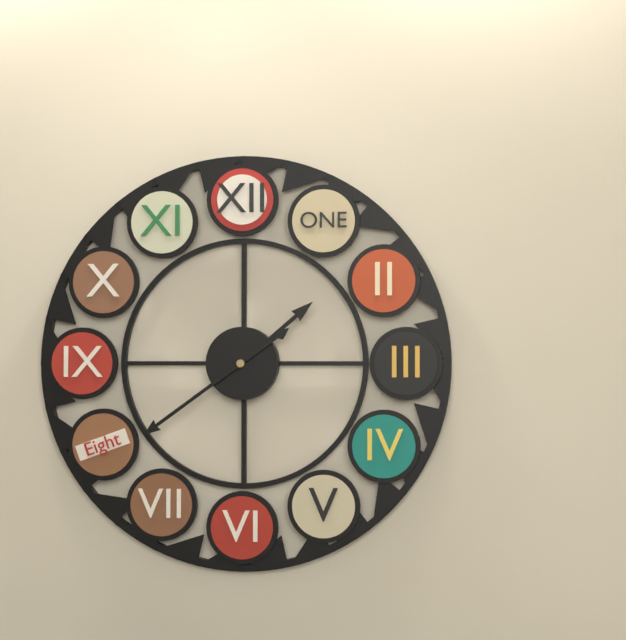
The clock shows 1:39
